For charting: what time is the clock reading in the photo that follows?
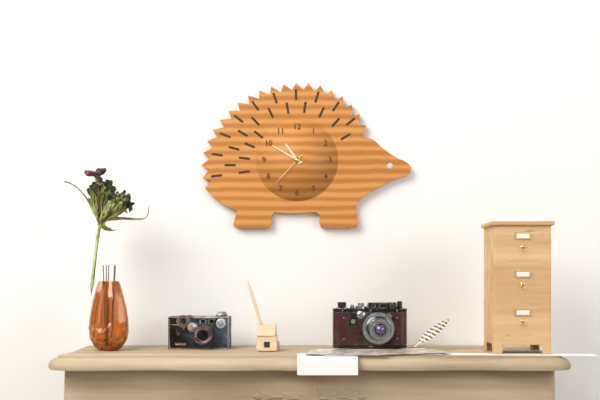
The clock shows 10:50
